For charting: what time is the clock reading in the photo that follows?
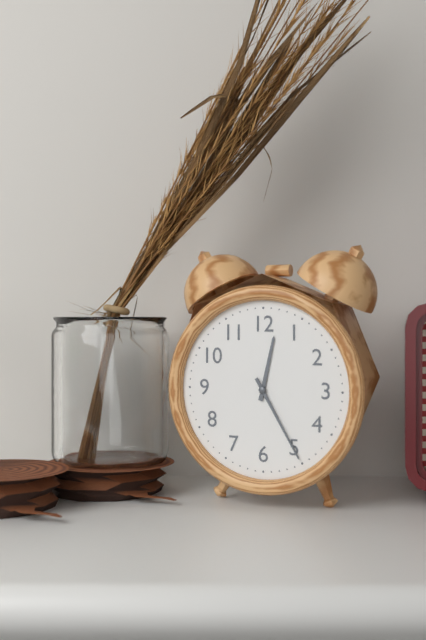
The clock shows 12:25
